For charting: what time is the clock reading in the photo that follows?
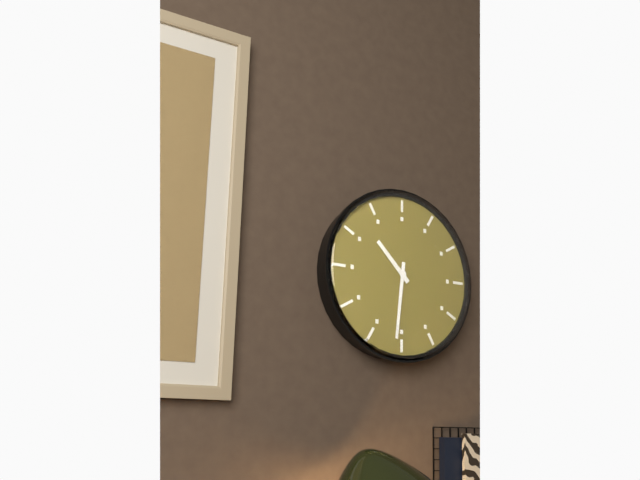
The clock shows 10:31
